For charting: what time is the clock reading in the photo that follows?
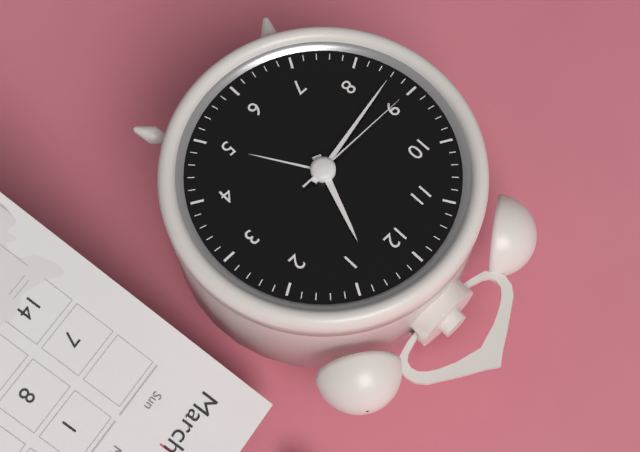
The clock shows 12:43:45
